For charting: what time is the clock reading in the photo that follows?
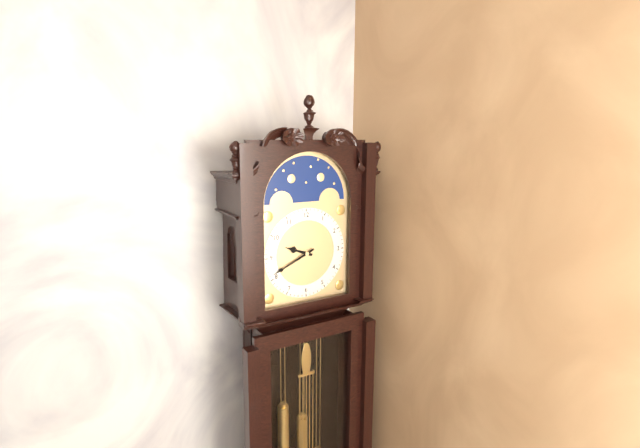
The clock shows 9:41
